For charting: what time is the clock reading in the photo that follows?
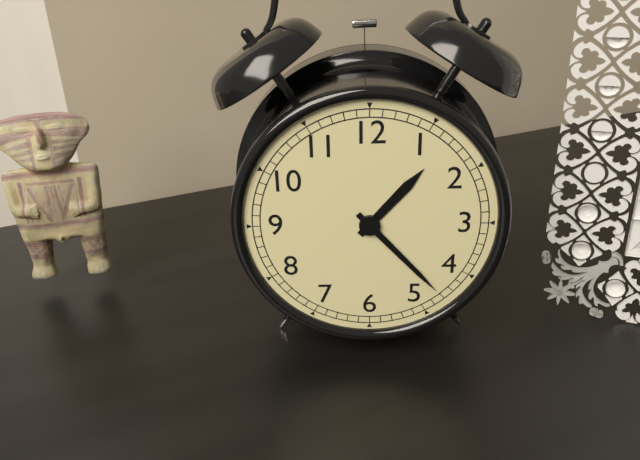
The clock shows 1:23
